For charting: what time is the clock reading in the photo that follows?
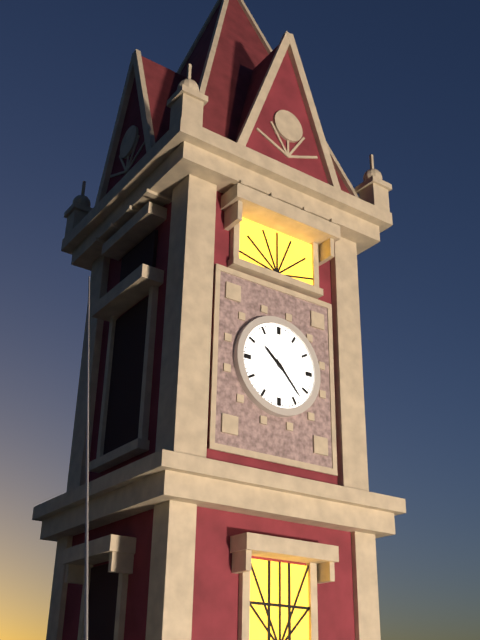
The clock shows 10:23
